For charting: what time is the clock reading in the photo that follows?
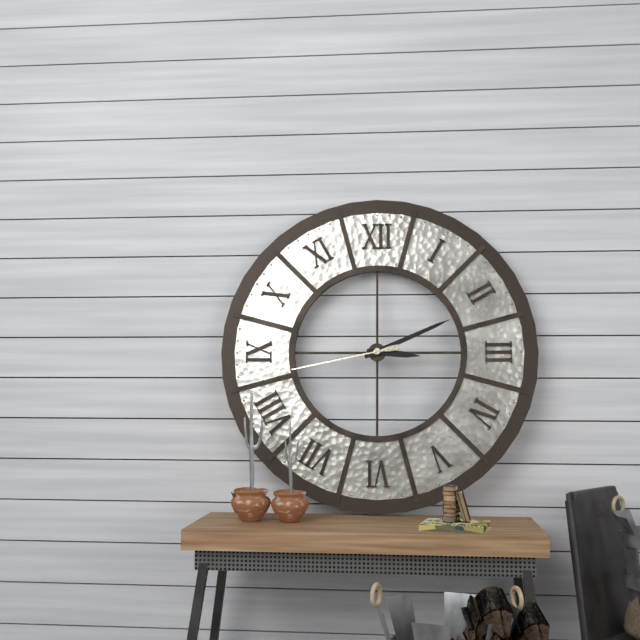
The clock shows 3:11:43
